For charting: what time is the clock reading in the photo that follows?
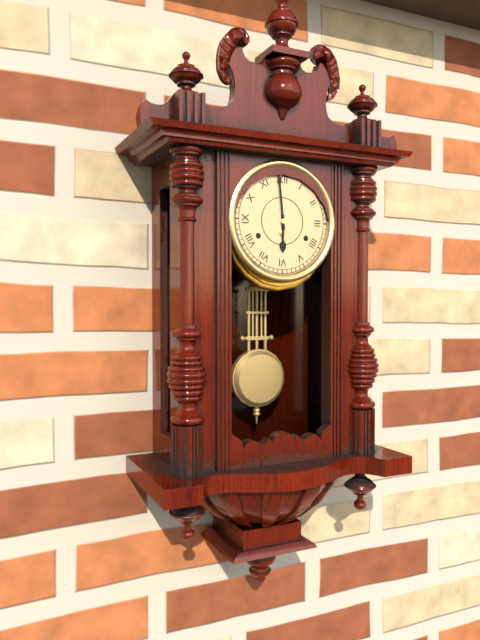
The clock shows 5:59
